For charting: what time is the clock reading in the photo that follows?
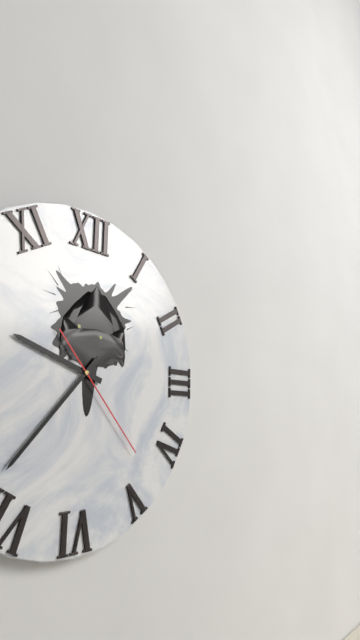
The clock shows 9:37:23
